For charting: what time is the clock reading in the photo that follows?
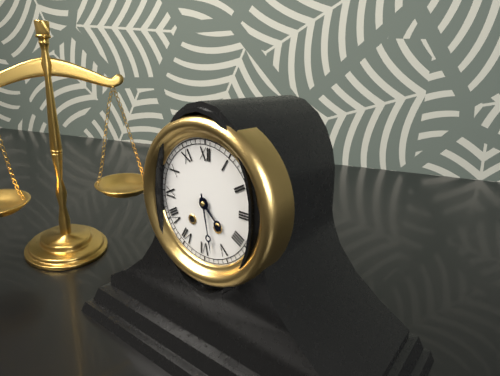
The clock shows 4:28
